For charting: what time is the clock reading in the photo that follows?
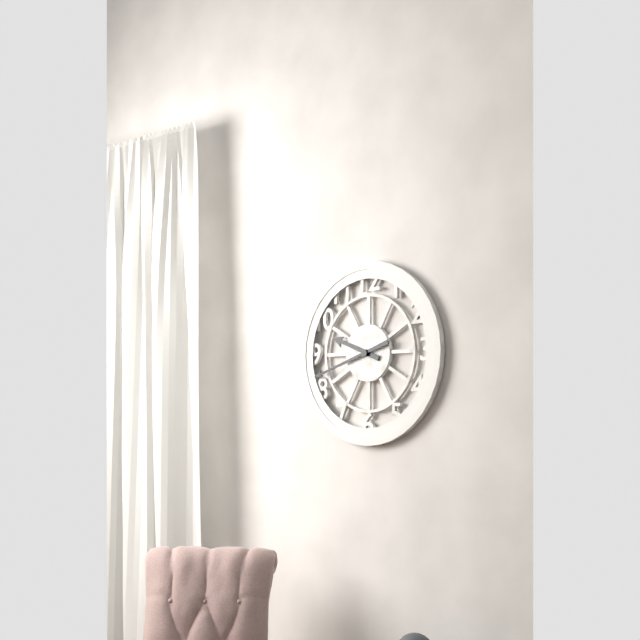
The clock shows 9:42
